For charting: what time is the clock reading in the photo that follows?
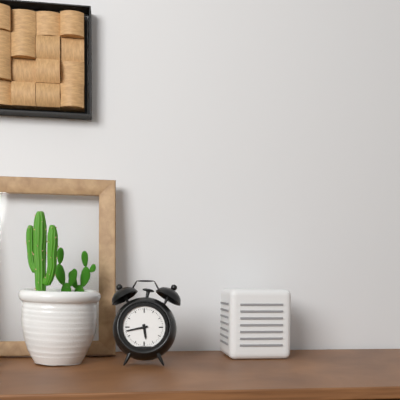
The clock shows 5:43
